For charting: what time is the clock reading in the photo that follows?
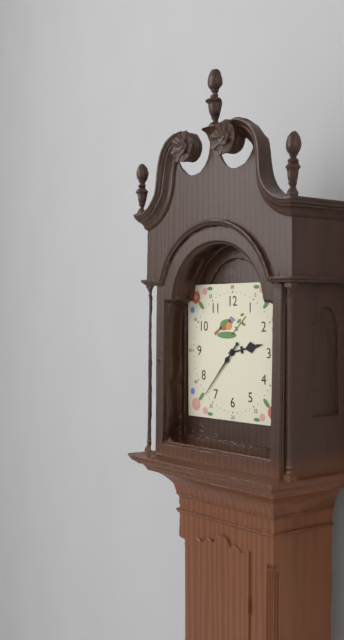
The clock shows 2:37
